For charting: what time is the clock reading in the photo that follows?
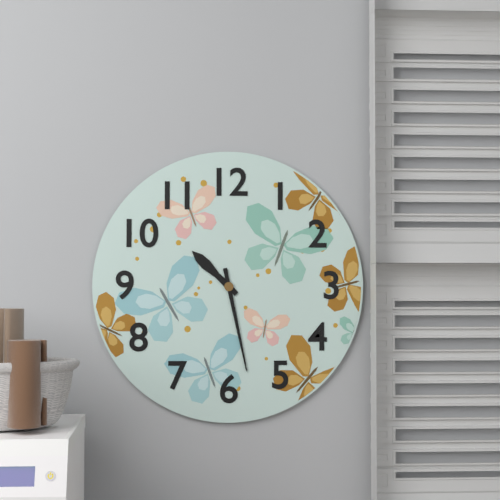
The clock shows 10:28
